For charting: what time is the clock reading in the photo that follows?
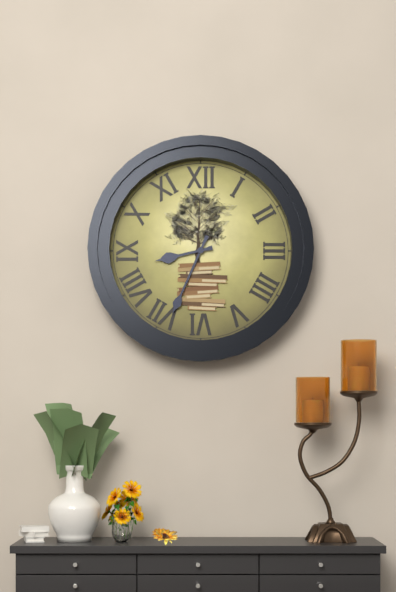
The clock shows 8:34
